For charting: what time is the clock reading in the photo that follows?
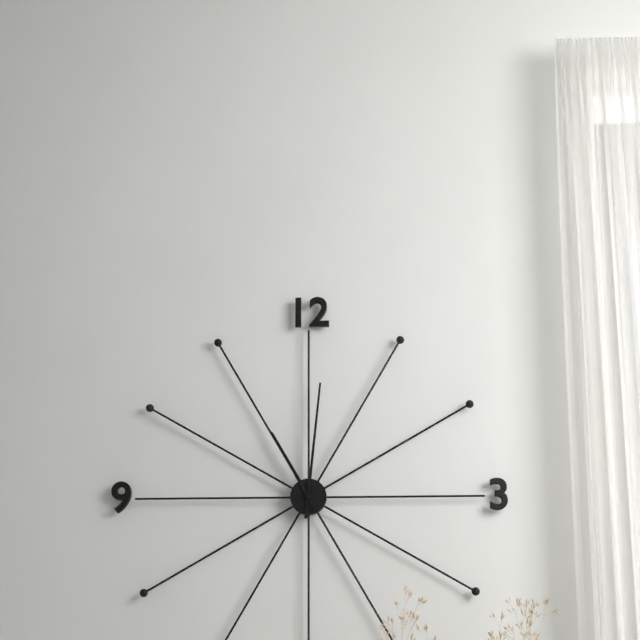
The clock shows 11:01
